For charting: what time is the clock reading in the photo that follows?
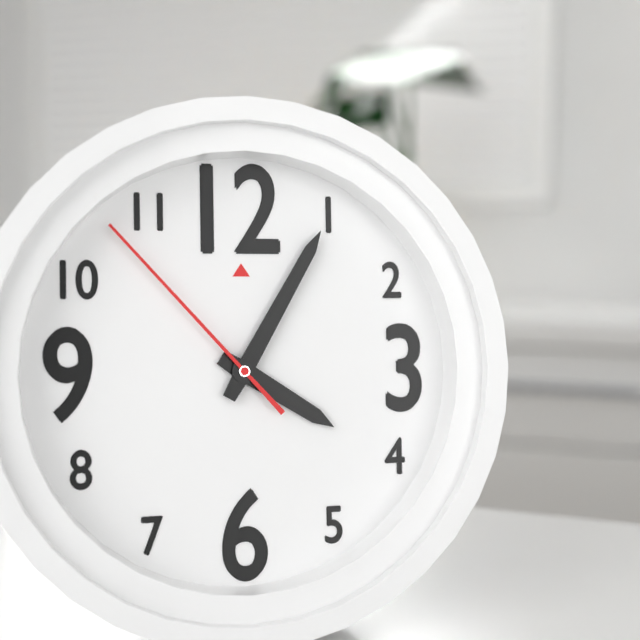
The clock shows 4:05:53
